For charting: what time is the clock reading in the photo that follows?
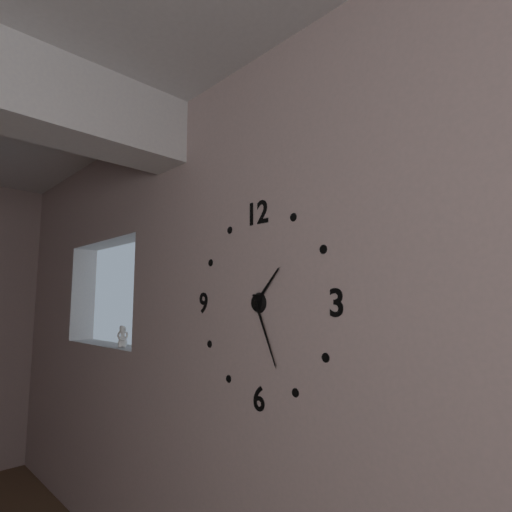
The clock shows 1:26
